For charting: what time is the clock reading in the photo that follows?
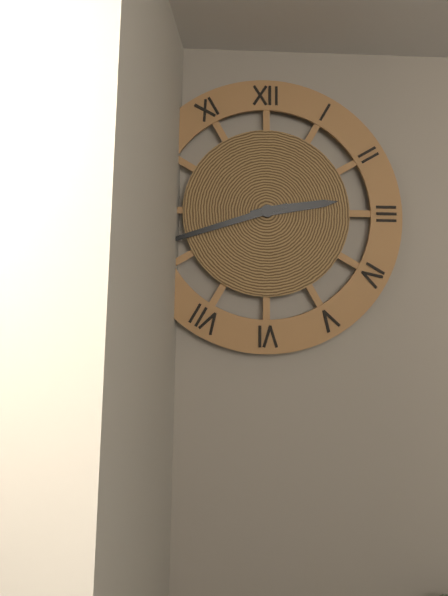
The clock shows 2:42
